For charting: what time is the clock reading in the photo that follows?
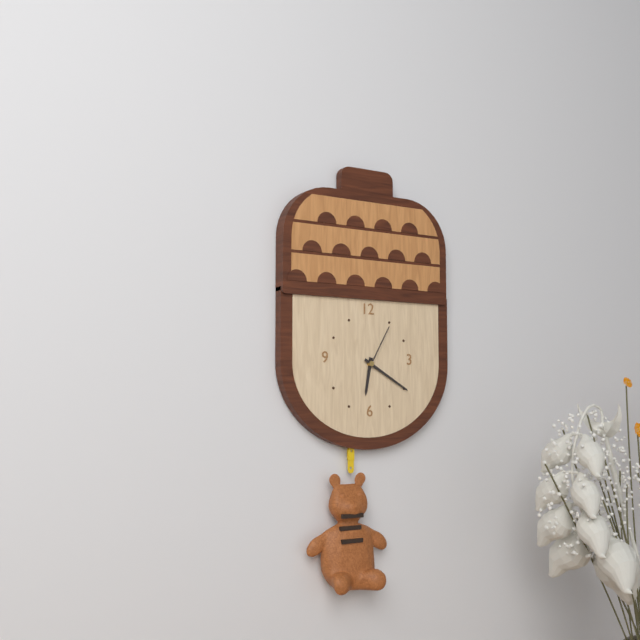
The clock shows 6:20:05
